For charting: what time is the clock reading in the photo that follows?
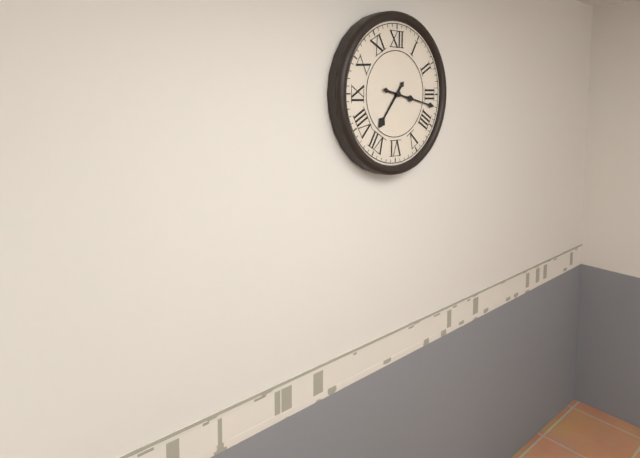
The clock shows 7:17
